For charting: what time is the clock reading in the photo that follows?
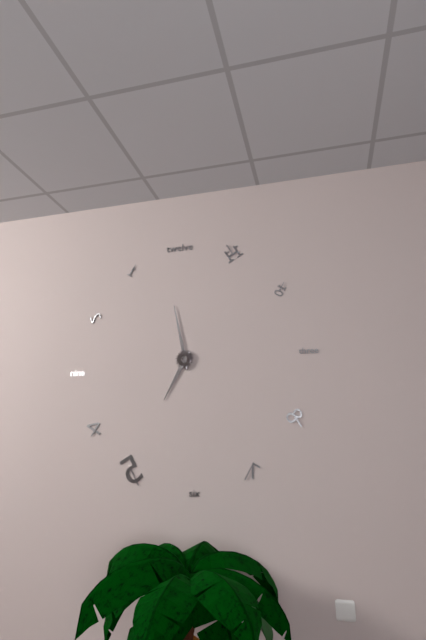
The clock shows 6:58
